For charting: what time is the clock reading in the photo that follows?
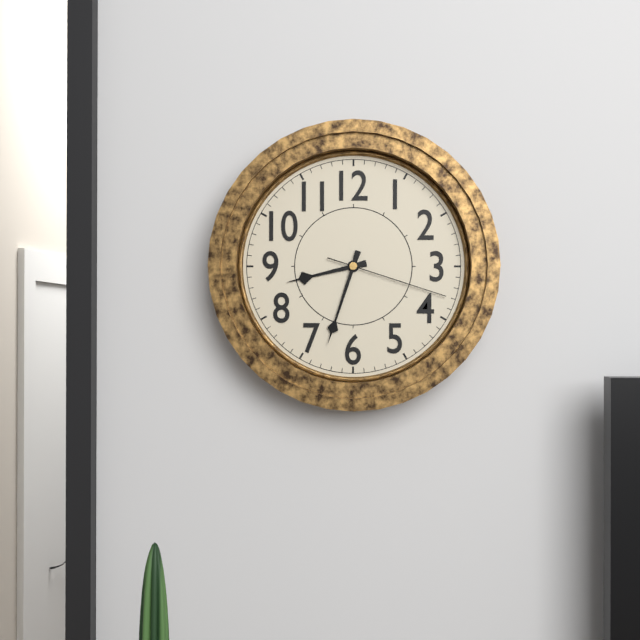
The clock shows 8:33:18
